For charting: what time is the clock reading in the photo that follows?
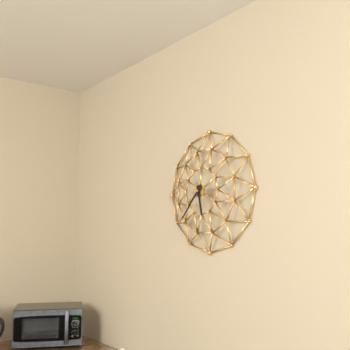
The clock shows 5:37
